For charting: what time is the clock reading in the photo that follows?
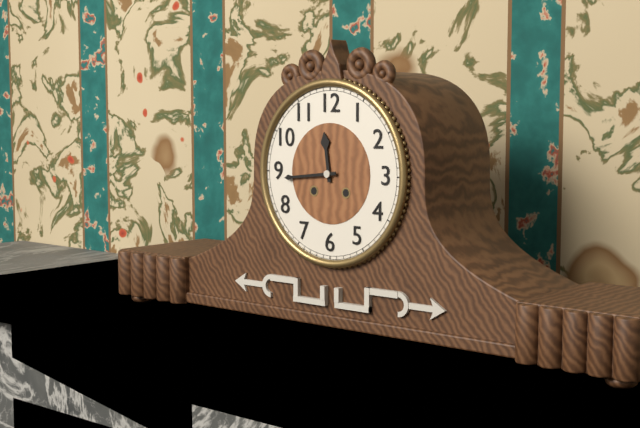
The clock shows 11:44
